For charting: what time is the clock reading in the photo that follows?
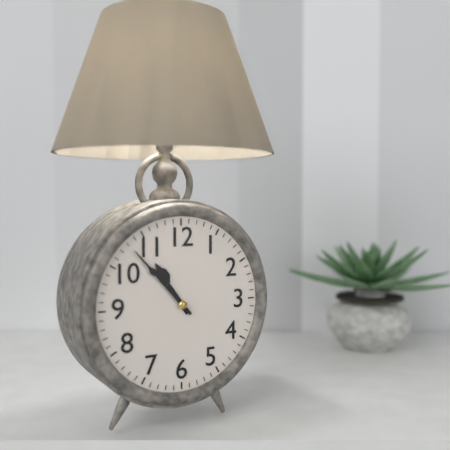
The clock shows 10:53
